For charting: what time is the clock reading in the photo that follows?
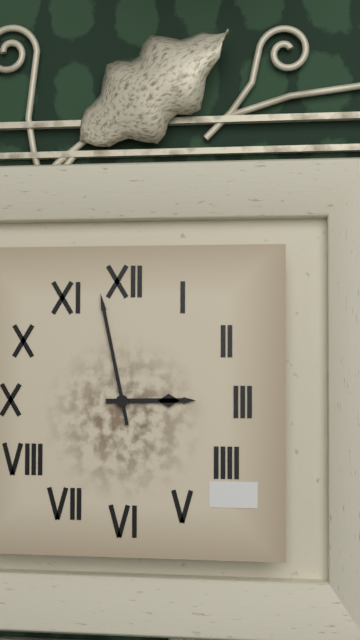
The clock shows 2:58
